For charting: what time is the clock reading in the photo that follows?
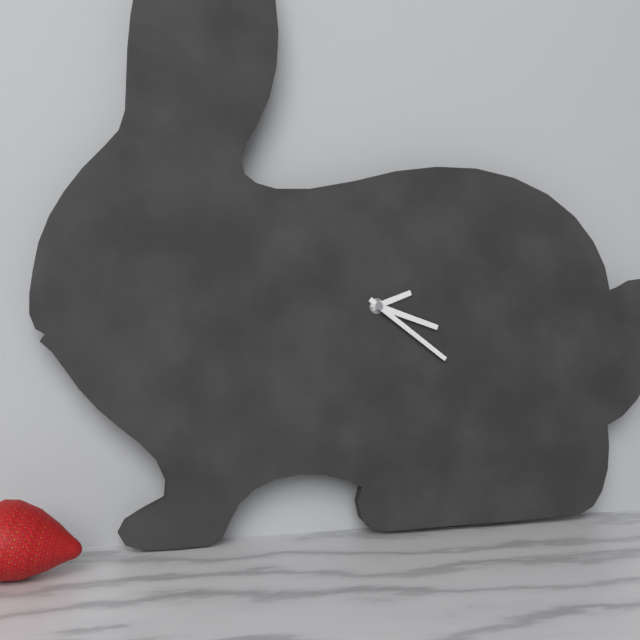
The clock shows 2:18:21
